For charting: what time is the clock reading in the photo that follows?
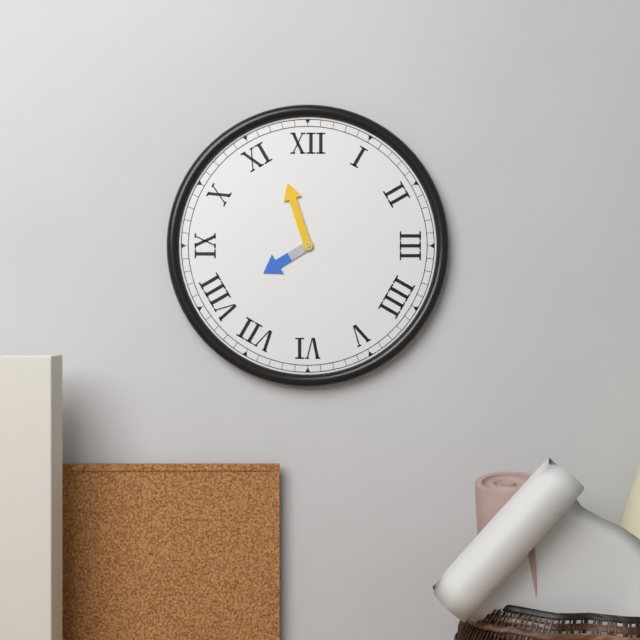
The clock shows 7:57
